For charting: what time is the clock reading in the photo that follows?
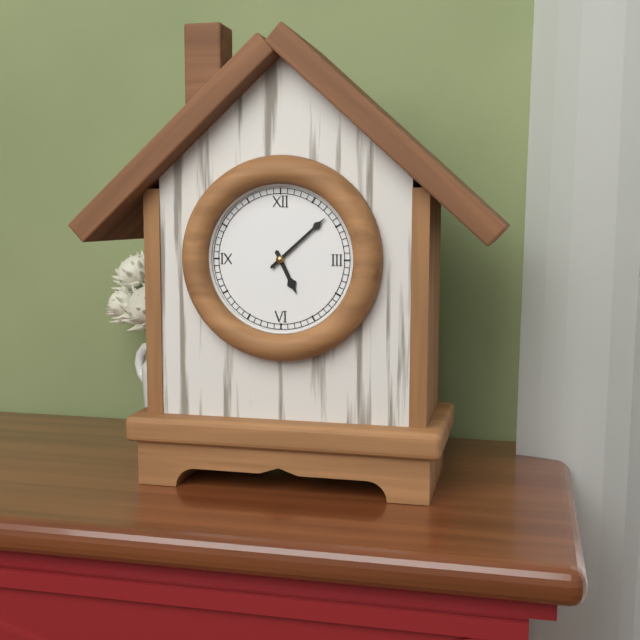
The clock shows 5:08
